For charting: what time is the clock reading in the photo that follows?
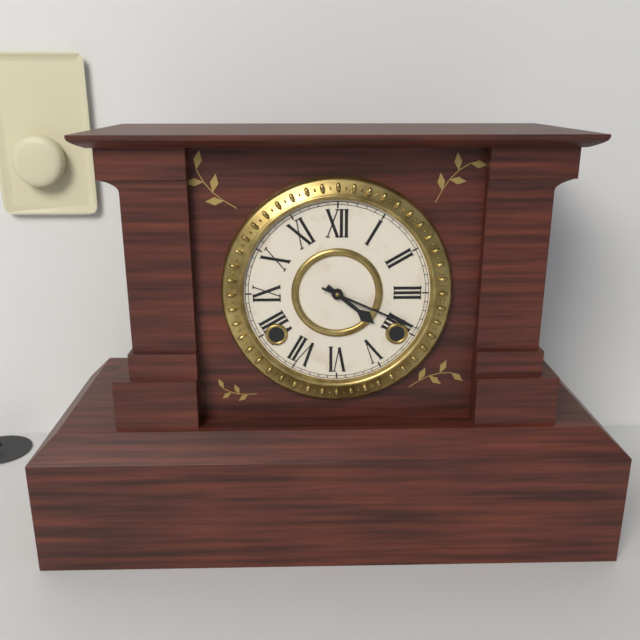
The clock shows 4:19
